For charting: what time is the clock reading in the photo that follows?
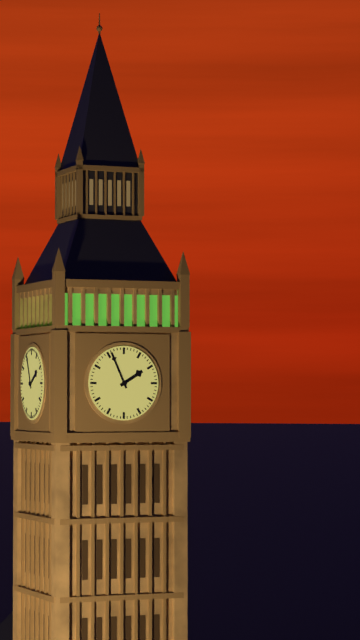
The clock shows 1:56
